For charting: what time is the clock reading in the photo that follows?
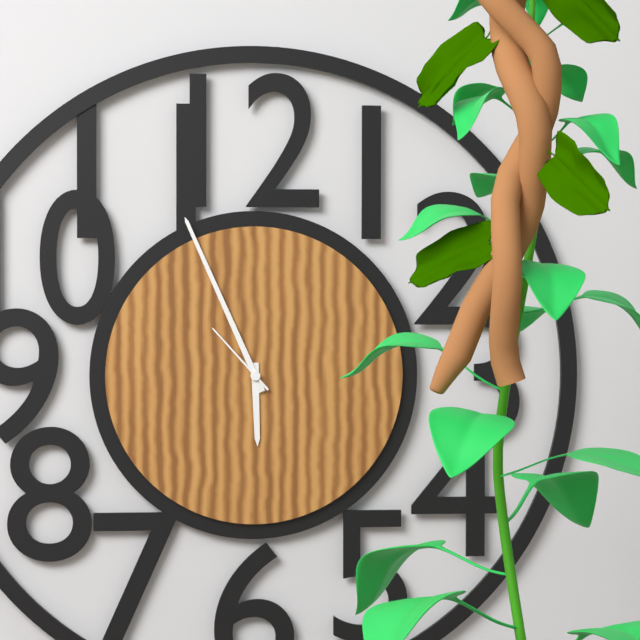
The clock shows 5:56:53
